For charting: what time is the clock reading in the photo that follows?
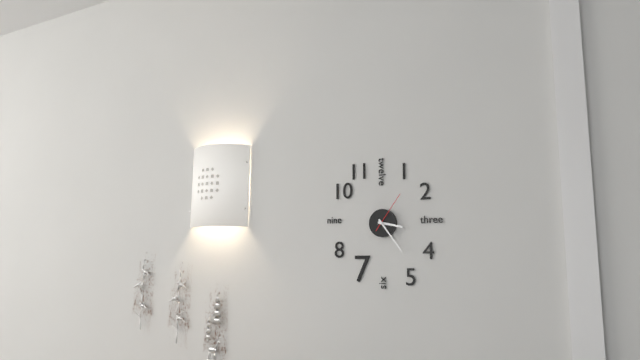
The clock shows 3:24
